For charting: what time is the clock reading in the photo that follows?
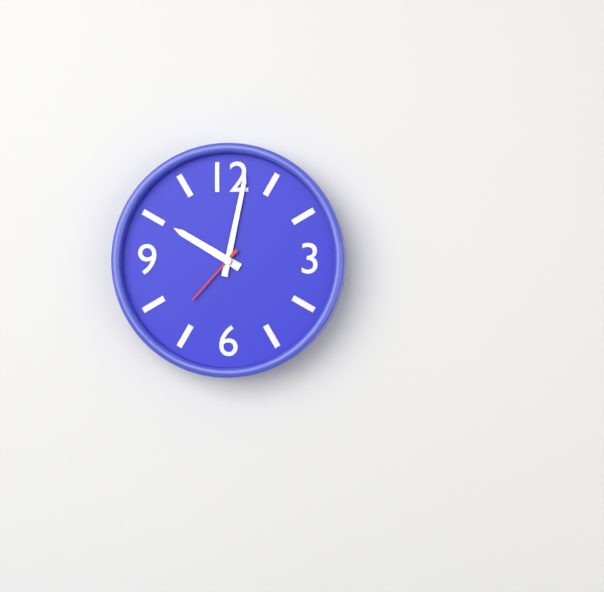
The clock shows 10:02:37
